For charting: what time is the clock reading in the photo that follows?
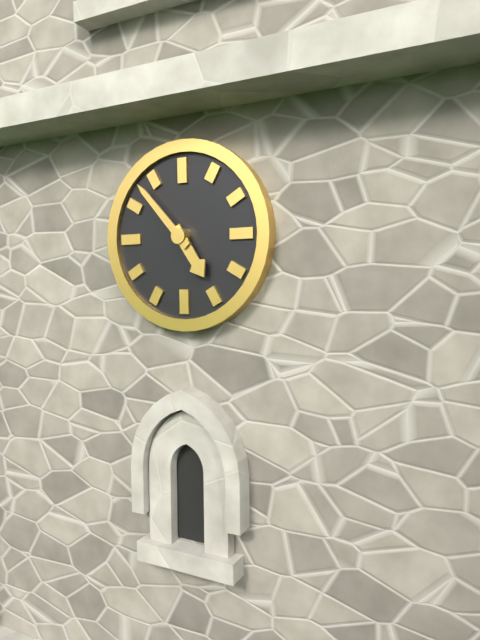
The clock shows 4:53
